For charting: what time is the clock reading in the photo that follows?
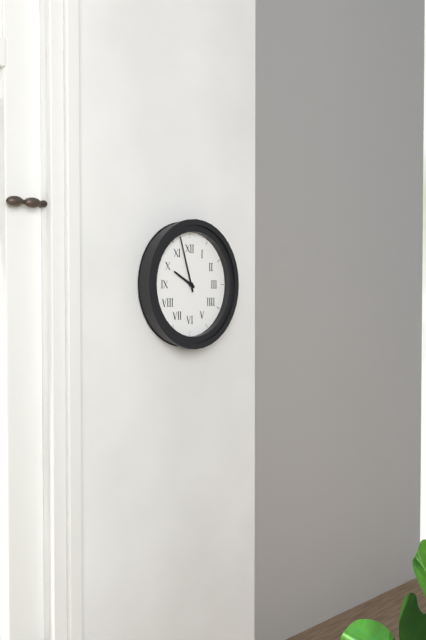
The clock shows 9:57
